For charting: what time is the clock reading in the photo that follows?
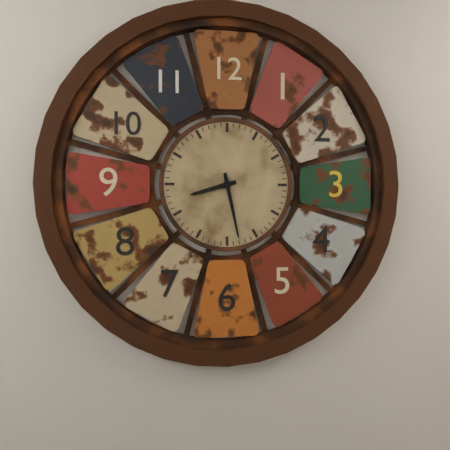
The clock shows 8:28
